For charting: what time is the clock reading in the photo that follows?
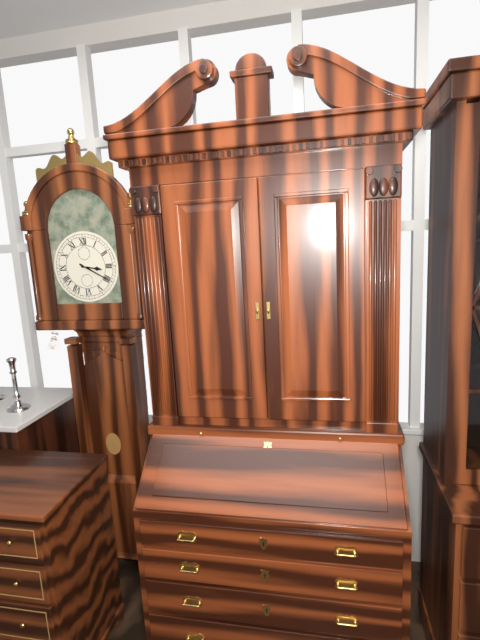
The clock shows 3:20
